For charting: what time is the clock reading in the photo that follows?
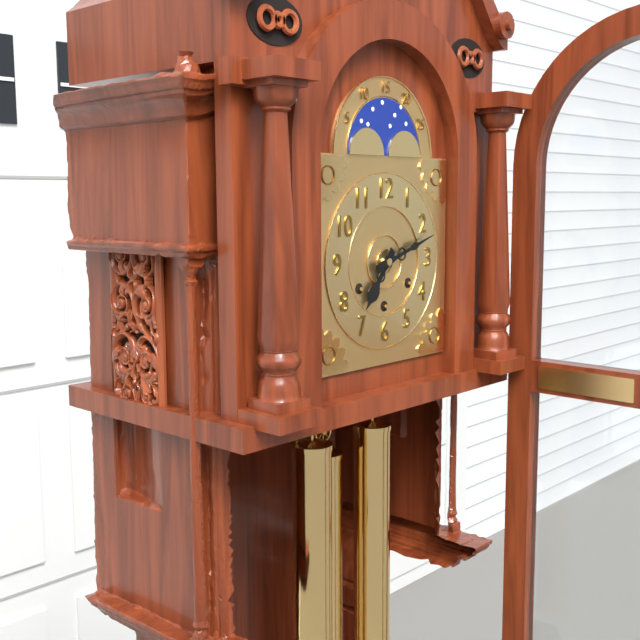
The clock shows 7:12
